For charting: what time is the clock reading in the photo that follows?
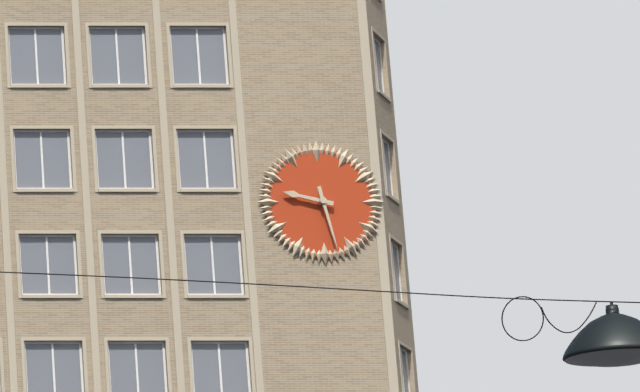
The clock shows 9:28
